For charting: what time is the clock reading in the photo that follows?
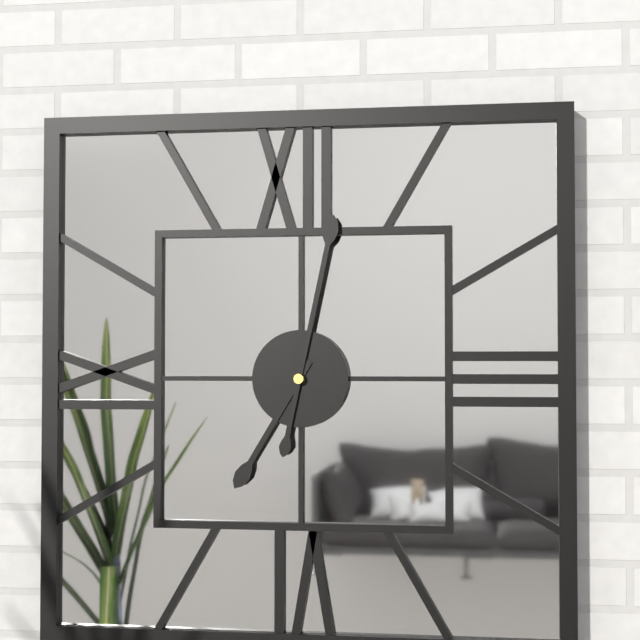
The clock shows 7:02
